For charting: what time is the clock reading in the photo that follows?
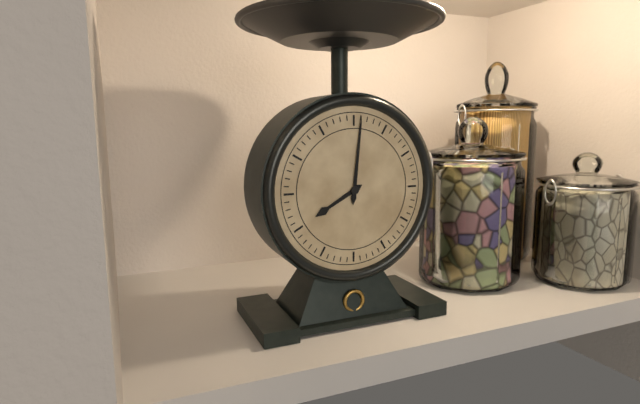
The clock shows 8:01
